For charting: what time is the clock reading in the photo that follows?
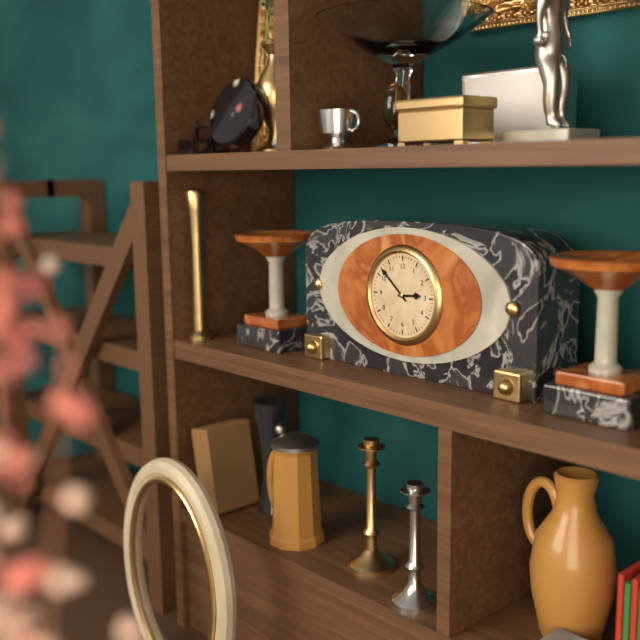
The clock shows 2:52
